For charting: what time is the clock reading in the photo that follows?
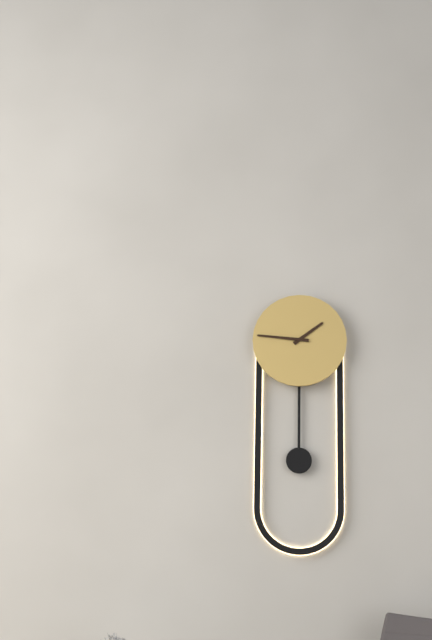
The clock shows 1:46
